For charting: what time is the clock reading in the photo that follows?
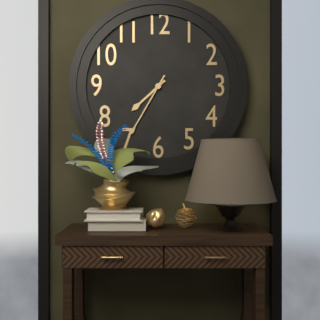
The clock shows 7:35
